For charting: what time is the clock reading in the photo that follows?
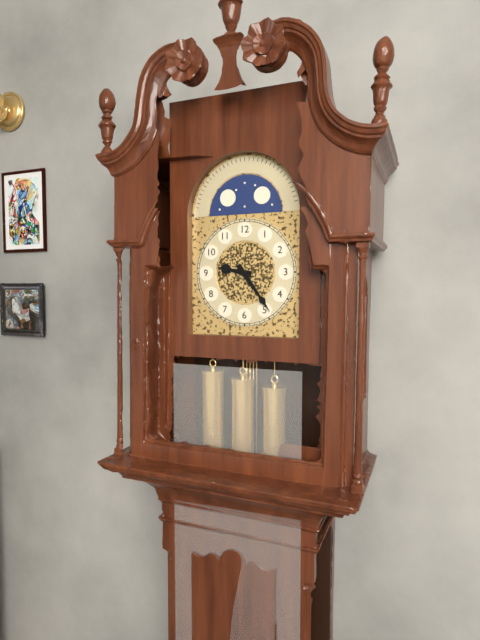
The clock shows 9:24
